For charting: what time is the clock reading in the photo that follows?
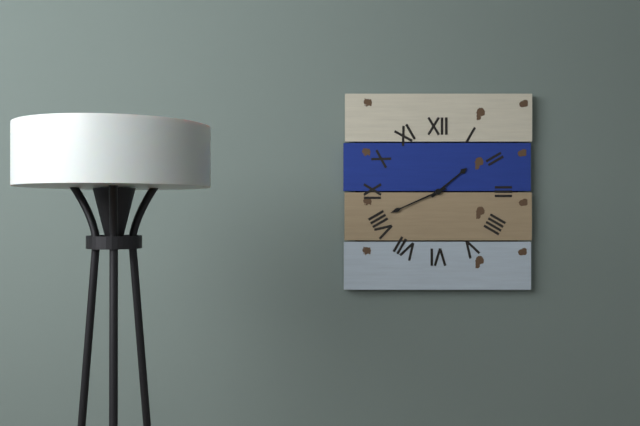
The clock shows 1:41
